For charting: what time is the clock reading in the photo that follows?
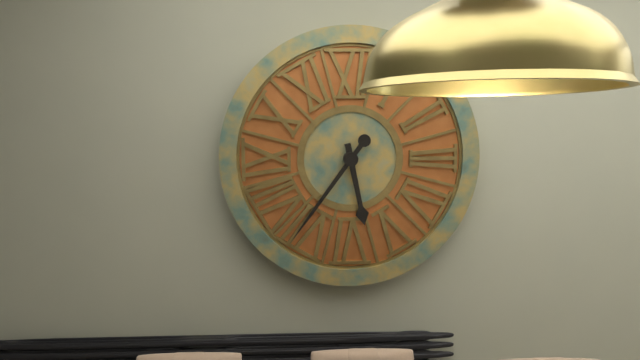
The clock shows 5:36
